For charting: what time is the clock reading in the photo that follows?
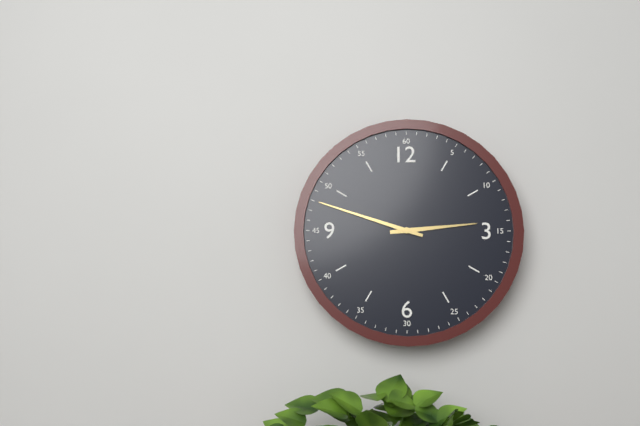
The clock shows 2:48
